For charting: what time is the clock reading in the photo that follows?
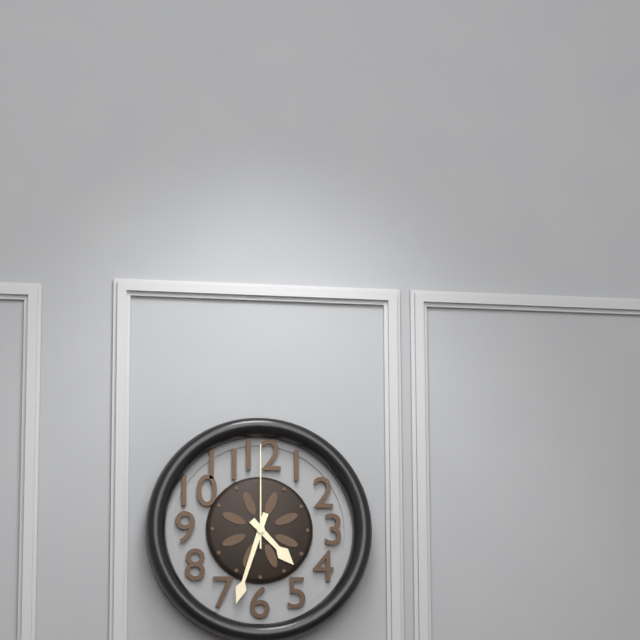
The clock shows 4:33:00
